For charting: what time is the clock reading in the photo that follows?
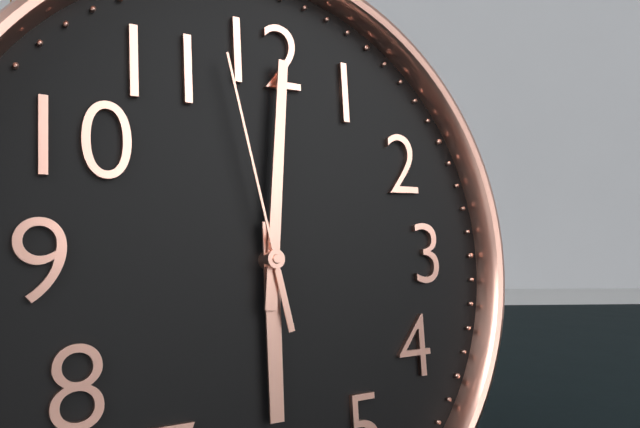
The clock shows 6:01:58
